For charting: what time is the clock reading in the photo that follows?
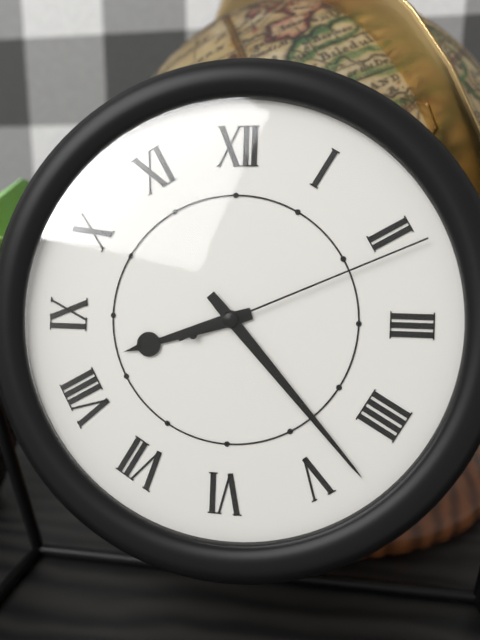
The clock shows 8:23:11
